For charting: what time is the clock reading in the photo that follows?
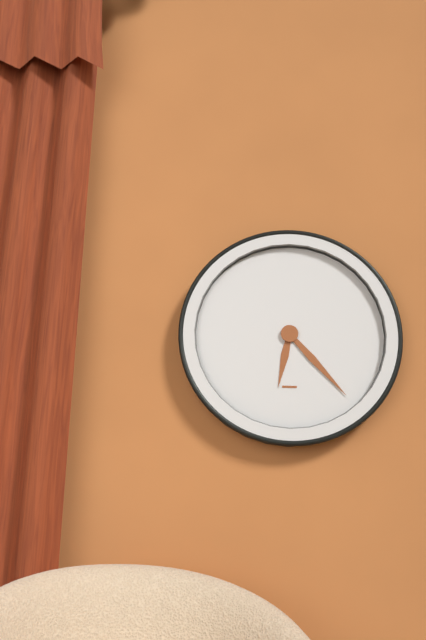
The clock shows 6:23
